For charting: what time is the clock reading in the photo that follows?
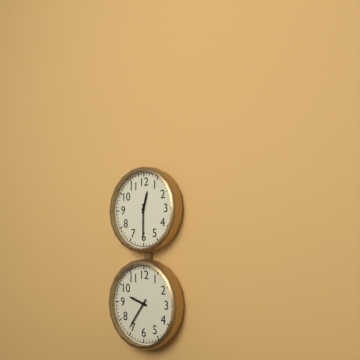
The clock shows 12:30
